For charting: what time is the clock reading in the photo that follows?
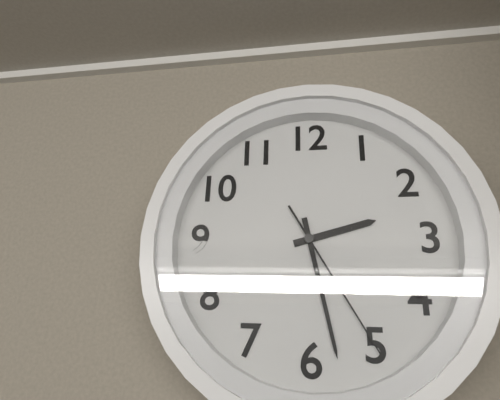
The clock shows 2:28:25
